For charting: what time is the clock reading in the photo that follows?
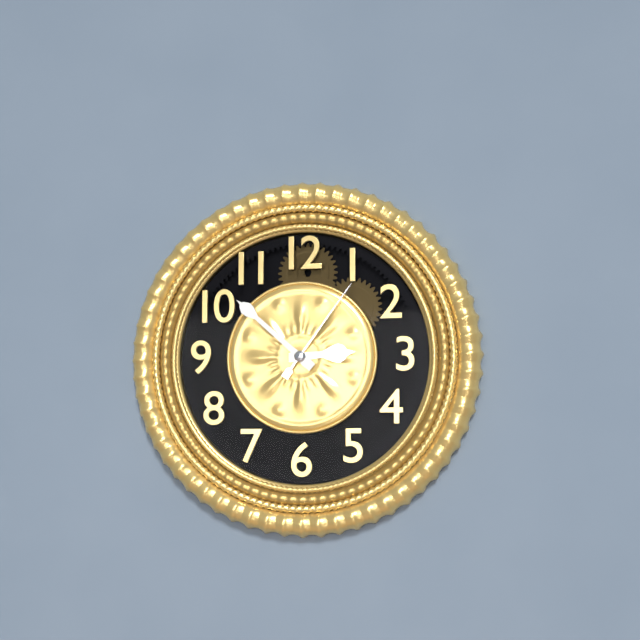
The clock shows 2:52:06
